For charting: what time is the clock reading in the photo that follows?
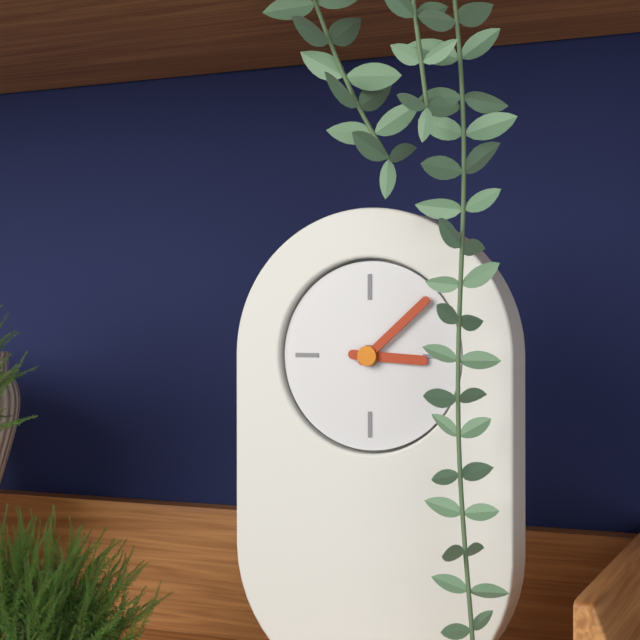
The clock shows 3:08
